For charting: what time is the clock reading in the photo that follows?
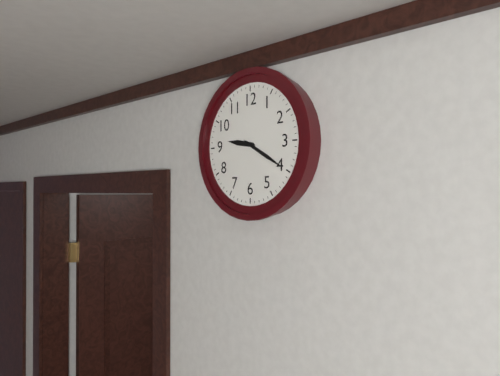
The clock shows 9:20
